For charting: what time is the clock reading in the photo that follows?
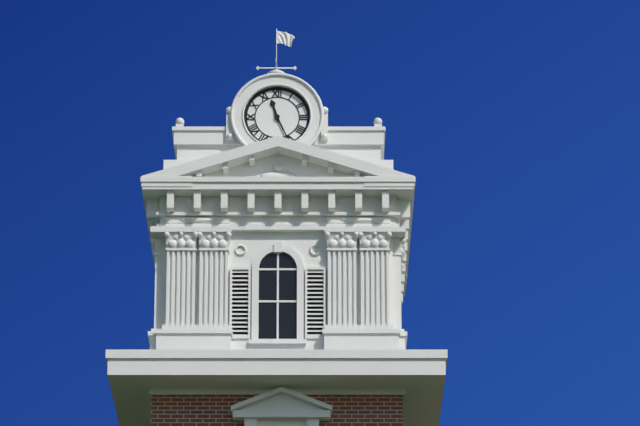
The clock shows 11:26
